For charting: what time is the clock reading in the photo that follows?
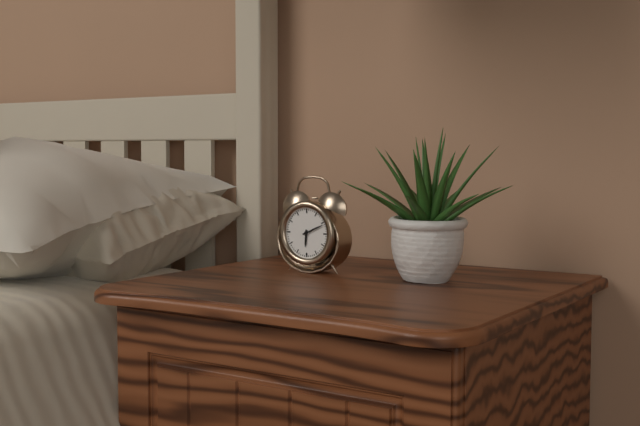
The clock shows 6:11
